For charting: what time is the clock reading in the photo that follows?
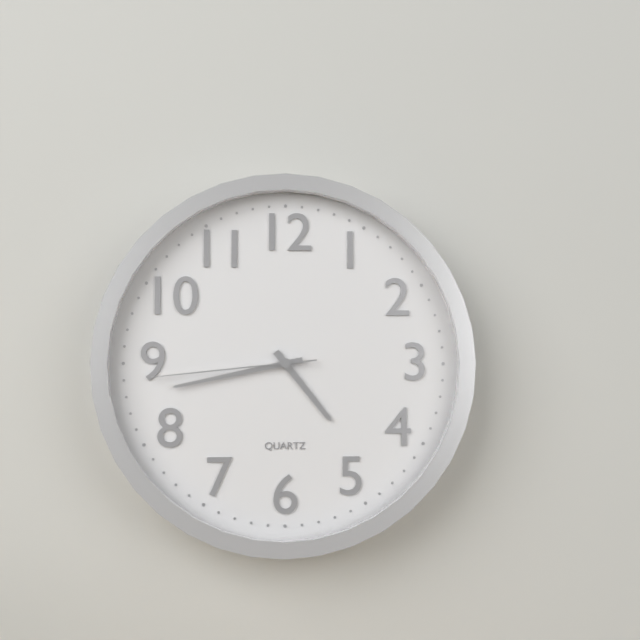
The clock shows 4:43:44
